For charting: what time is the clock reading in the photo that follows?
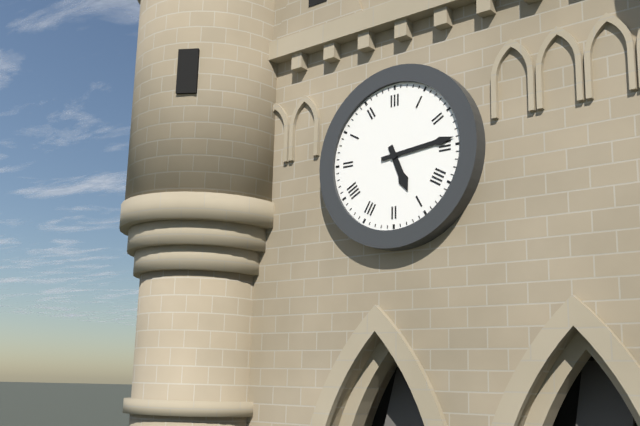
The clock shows 5:14
